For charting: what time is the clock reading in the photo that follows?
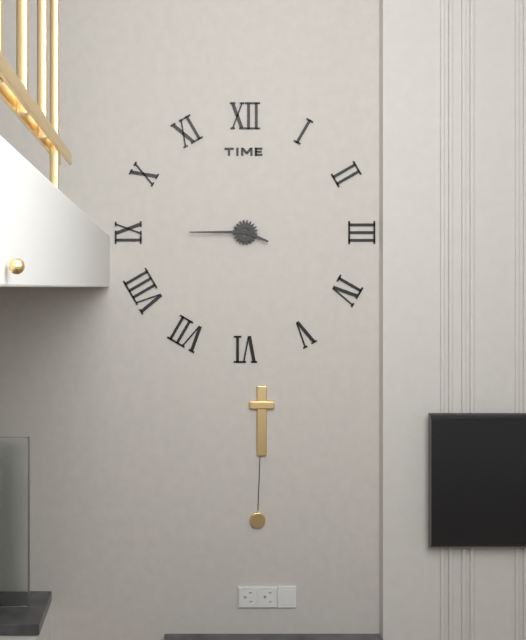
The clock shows 3:45
